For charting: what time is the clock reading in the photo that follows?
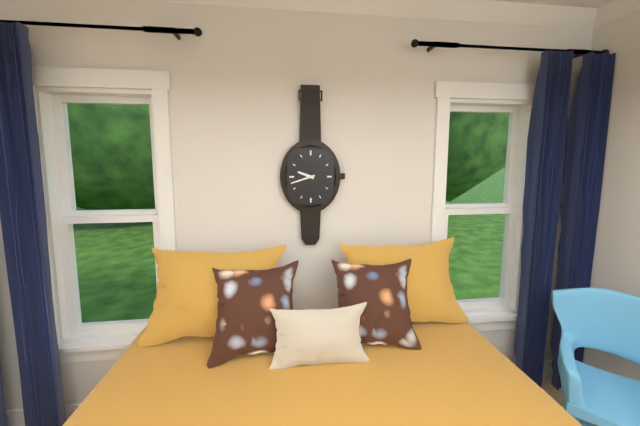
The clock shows 9:42
